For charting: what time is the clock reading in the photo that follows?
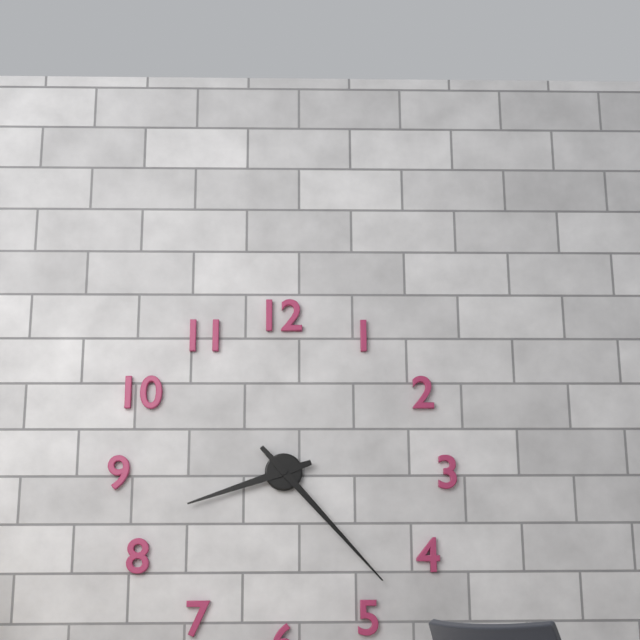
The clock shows 8:23
